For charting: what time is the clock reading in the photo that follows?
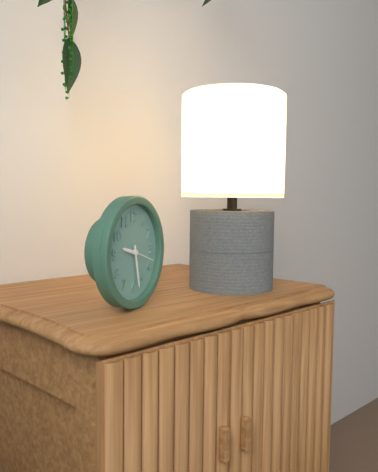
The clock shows 9:28
